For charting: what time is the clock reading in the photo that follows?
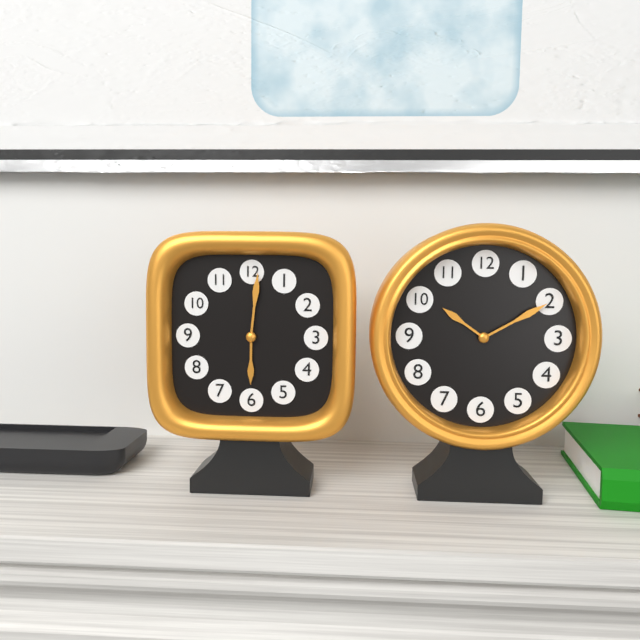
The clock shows 6:01
